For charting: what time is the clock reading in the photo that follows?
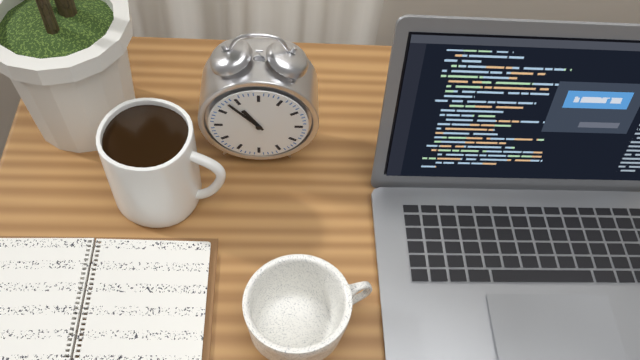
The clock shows 10:53
